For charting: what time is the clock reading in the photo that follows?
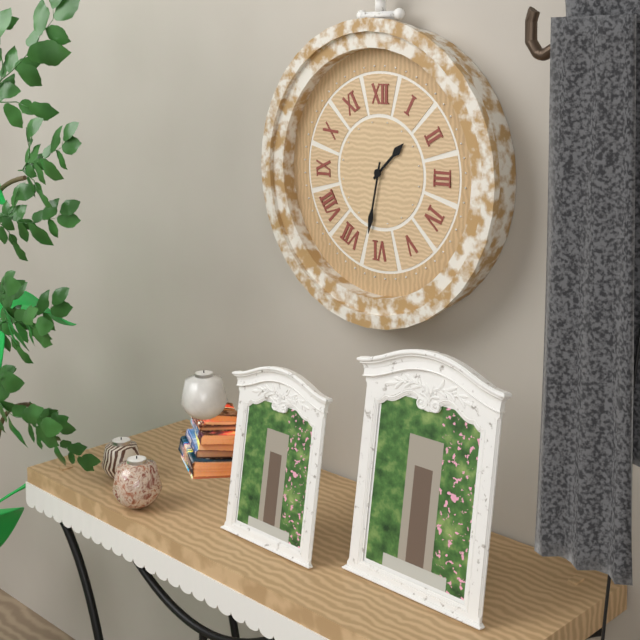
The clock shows 1:32
